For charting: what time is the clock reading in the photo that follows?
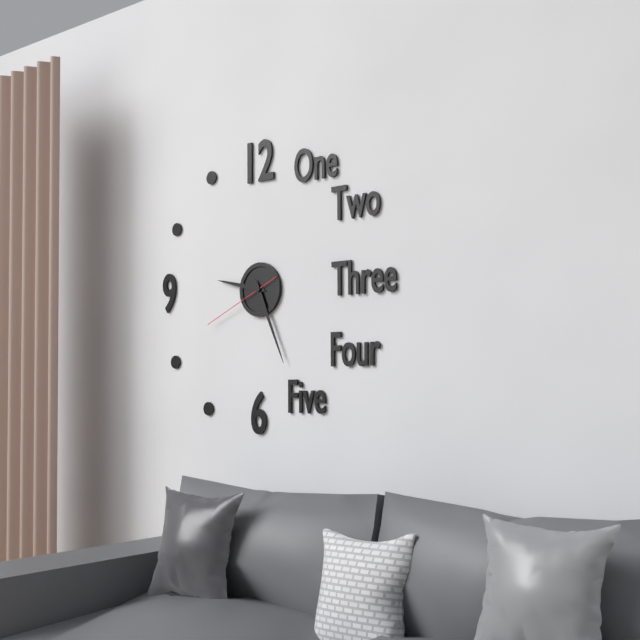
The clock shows 9:26:41
